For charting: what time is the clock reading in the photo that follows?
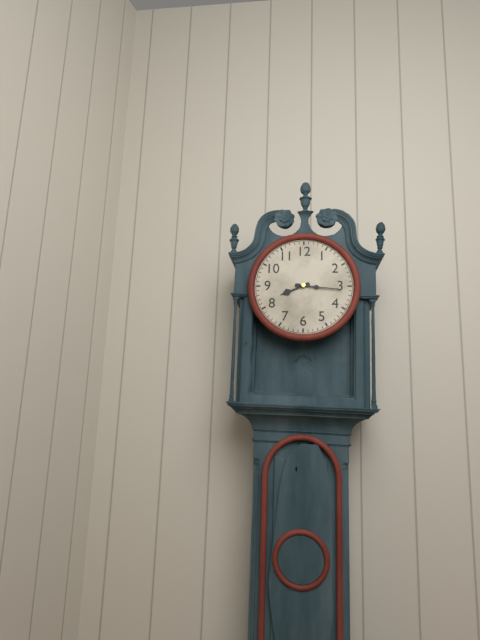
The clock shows 8:16
